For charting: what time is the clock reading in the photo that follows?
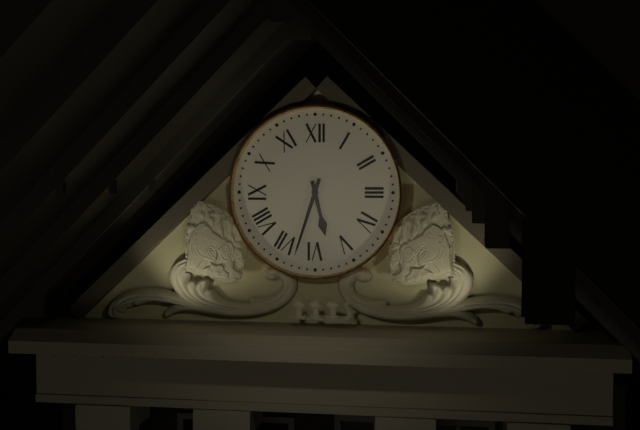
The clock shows 5:33
